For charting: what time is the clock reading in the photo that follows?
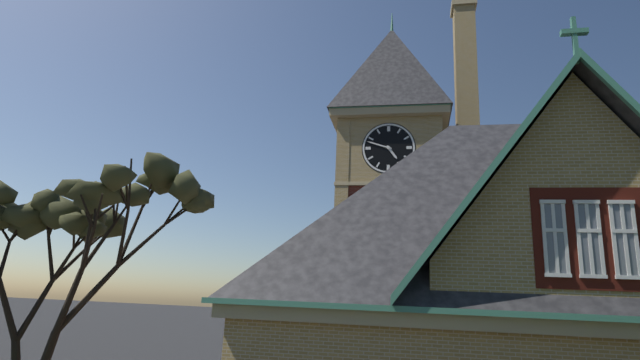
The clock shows 4:48
